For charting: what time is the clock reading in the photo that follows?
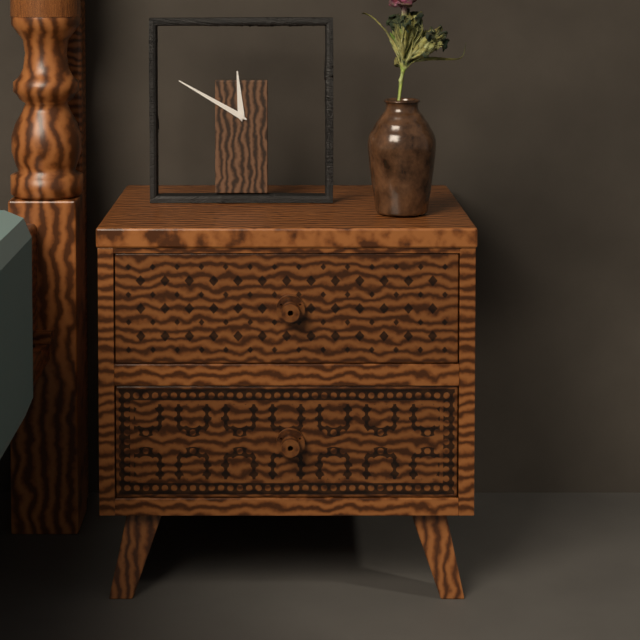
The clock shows 11:50
